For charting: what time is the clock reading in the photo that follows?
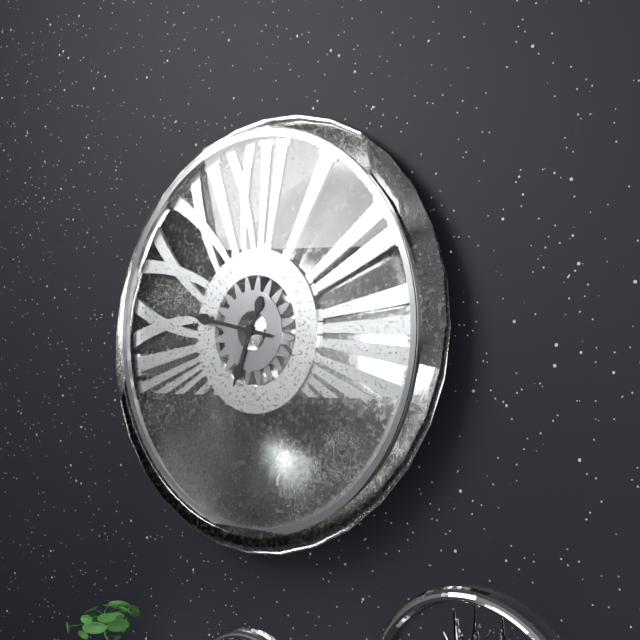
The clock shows 6:47
